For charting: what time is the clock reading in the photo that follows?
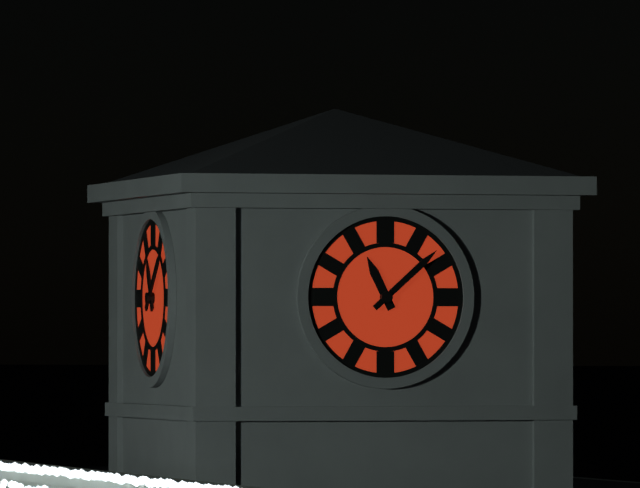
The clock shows 11:08
